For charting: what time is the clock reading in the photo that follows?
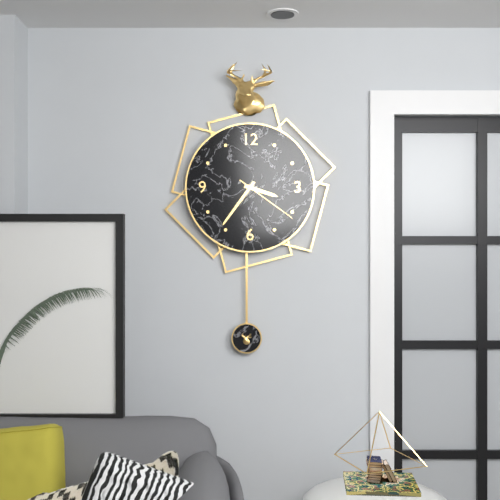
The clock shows 3:36:21
